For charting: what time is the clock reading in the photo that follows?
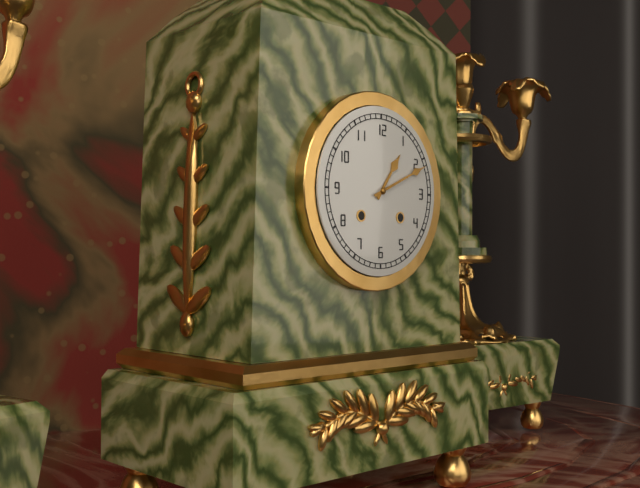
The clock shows 1:11
